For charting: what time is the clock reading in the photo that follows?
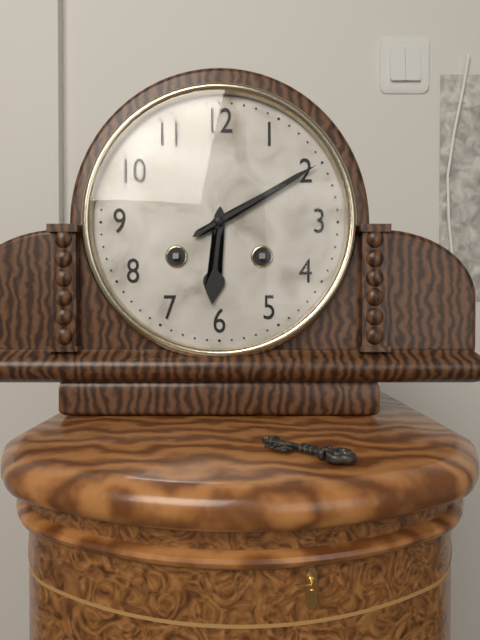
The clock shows 6:10
